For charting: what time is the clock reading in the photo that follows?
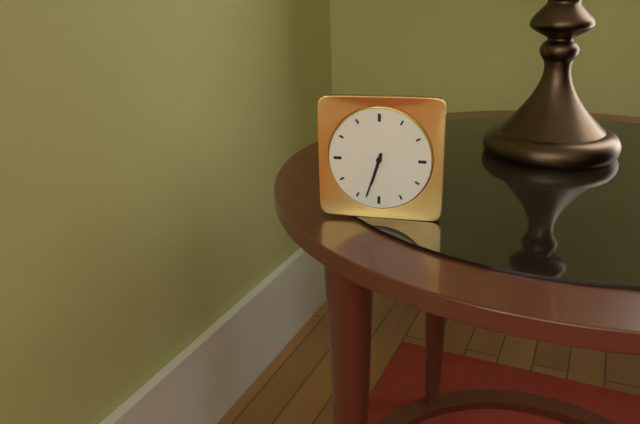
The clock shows 6:33
